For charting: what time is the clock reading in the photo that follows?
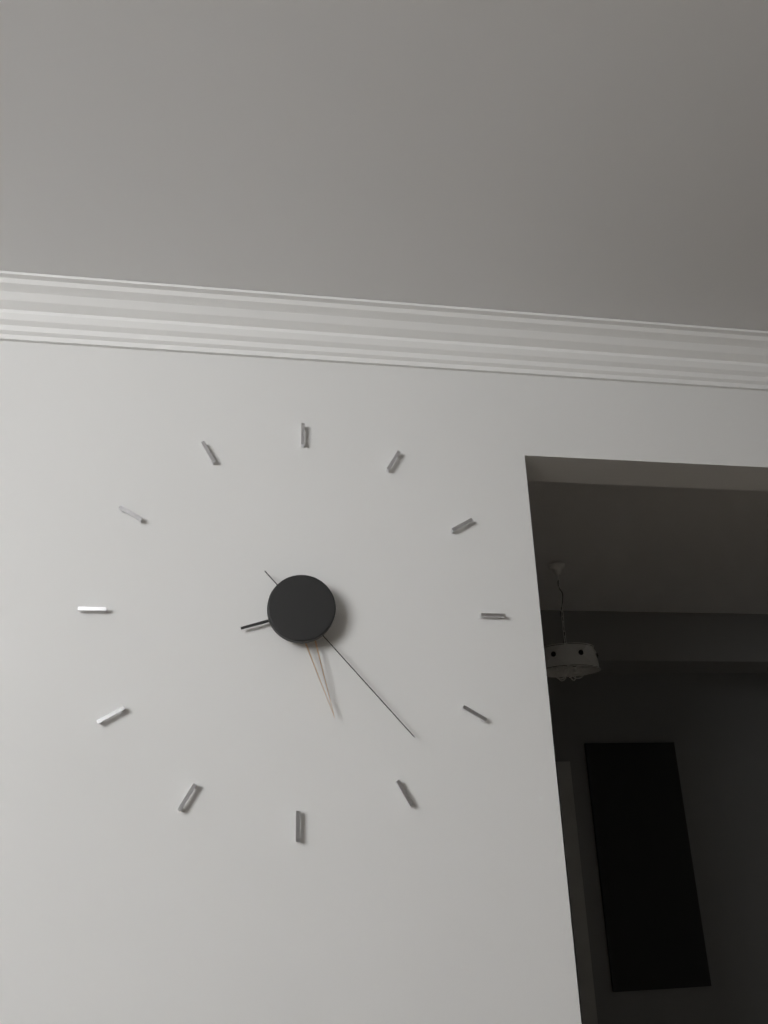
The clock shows 8:27:23
